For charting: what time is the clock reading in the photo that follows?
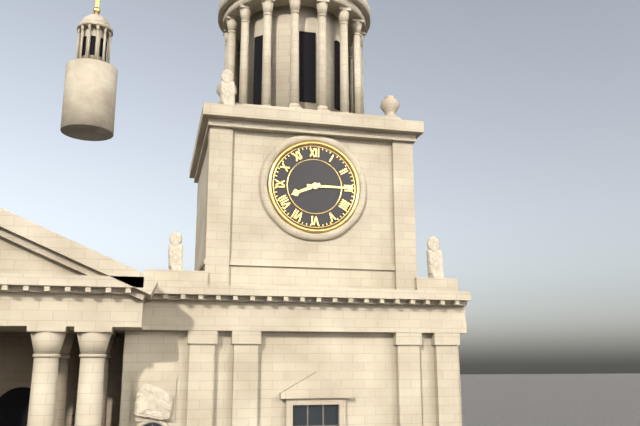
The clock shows 8:15
